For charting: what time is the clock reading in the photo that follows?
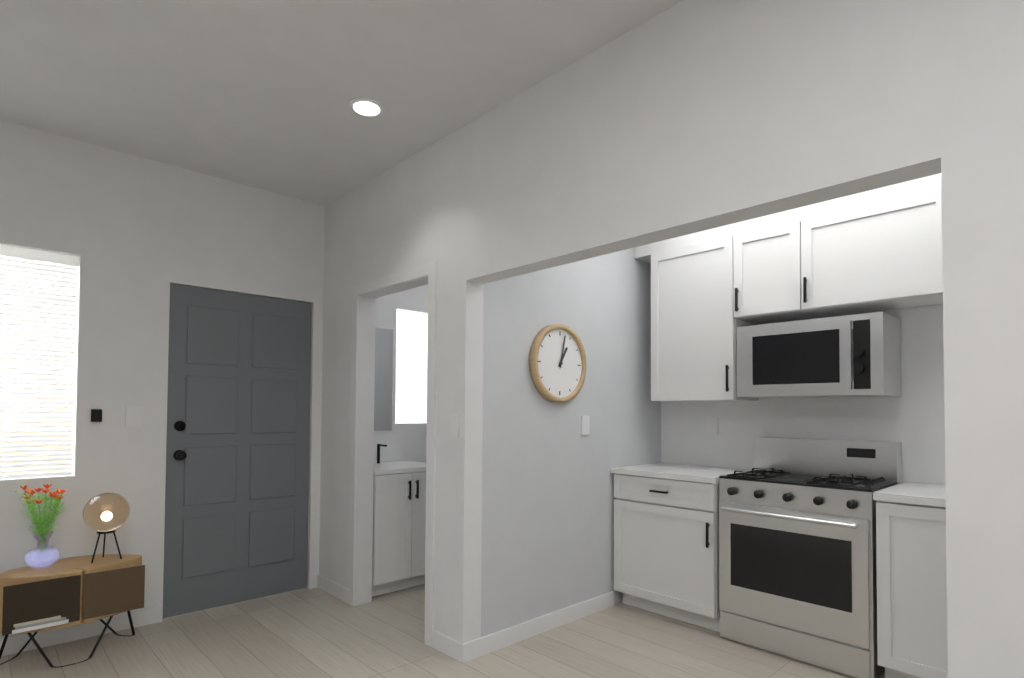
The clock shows 1:02
